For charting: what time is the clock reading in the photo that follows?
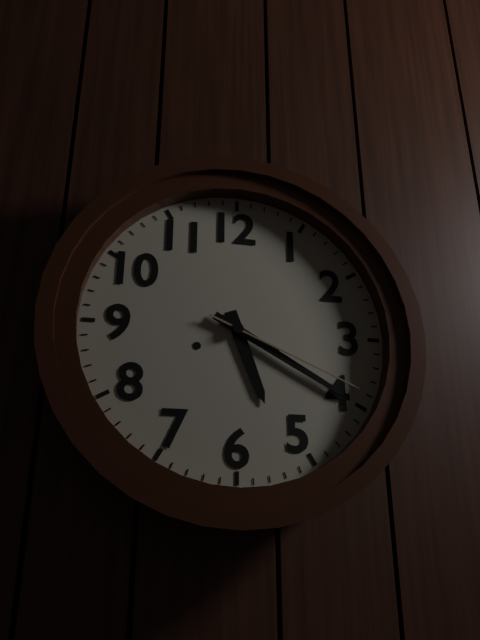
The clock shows 5:20:19
